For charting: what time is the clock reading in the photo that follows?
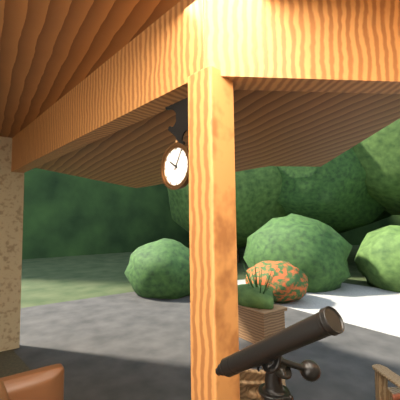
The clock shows 10:05
